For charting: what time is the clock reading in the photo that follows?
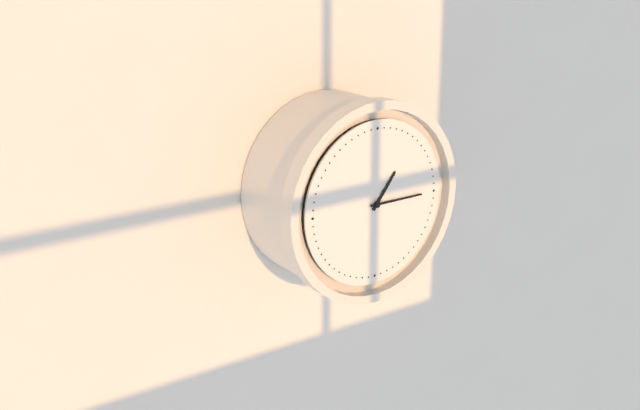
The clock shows 1:15
